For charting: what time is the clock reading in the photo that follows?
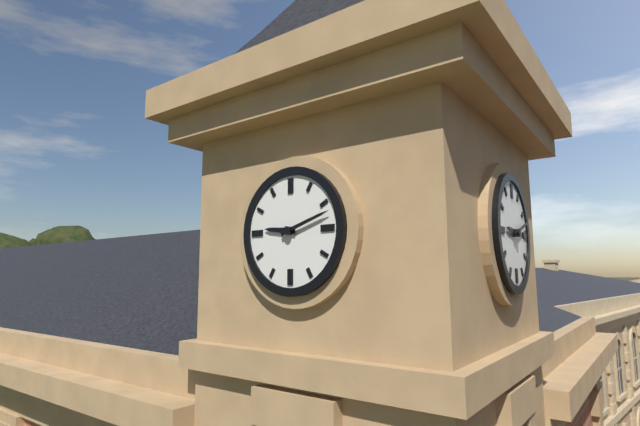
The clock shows 9:12
